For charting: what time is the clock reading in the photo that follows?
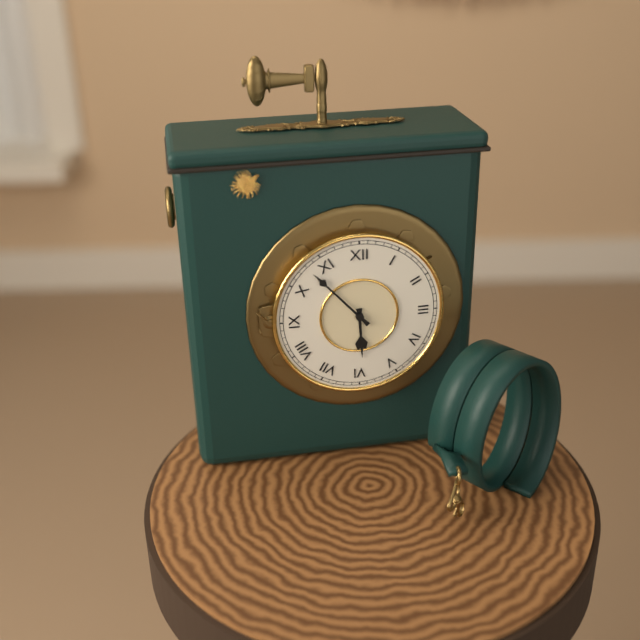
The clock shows 5:53
